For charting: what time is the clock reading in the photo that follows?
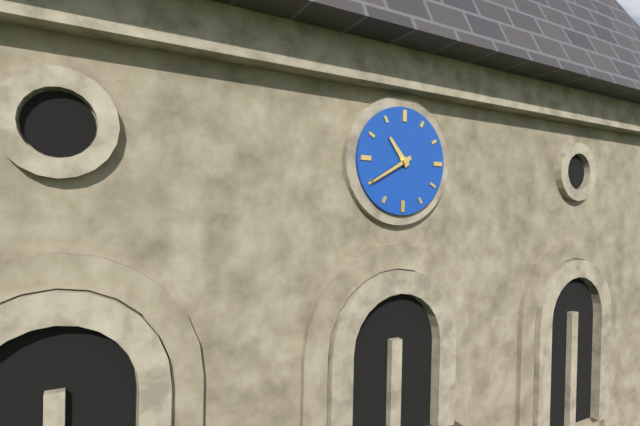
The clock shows 10:40
